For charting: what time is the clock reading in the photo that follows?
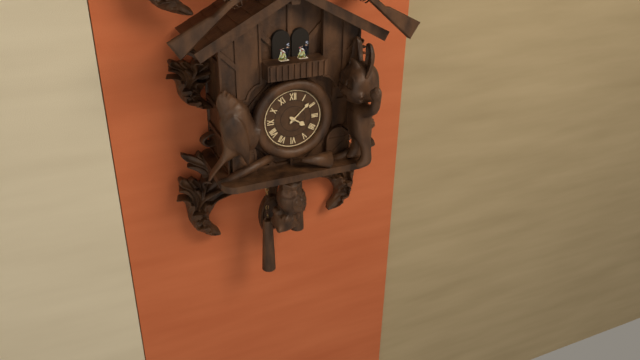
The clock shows 4:08
